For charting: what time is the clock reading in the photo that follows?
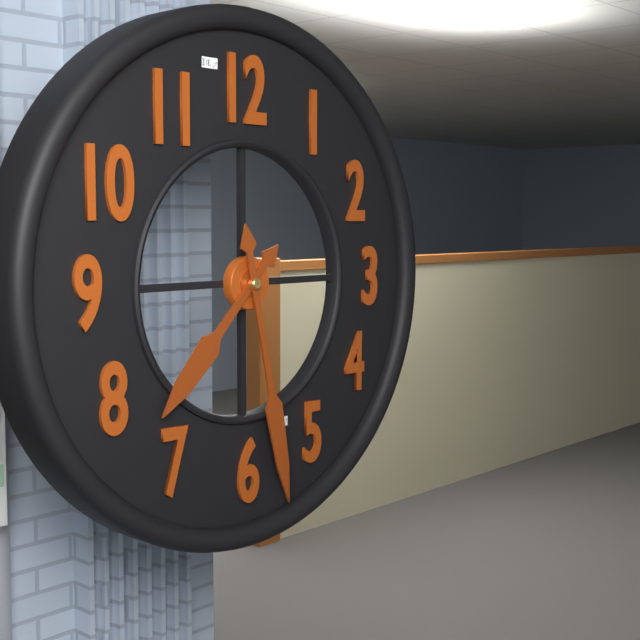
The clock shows 7:28
